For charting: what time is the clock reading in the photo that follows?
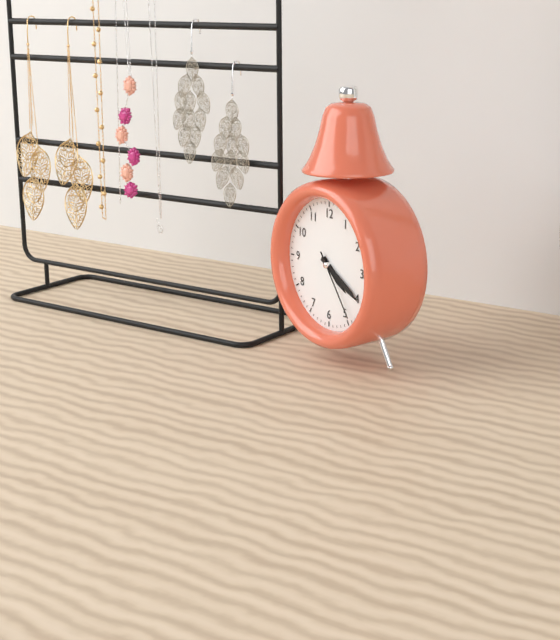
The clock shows 4:20:24
